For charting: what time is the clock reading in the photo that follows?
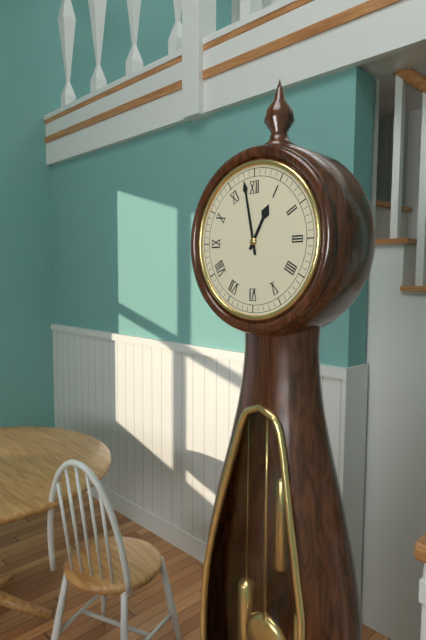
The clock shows 12:58
